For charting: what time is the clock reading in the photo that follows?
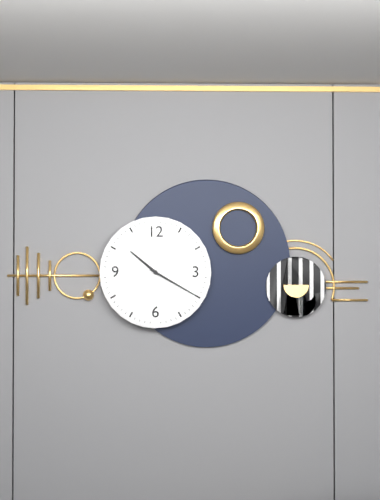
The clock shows 10:20
